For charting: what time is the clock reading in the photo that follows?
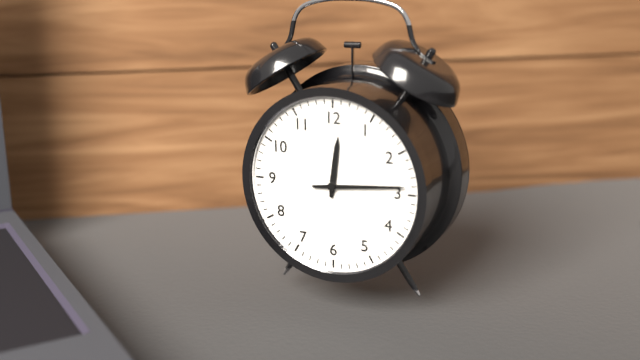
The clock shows 12:14
